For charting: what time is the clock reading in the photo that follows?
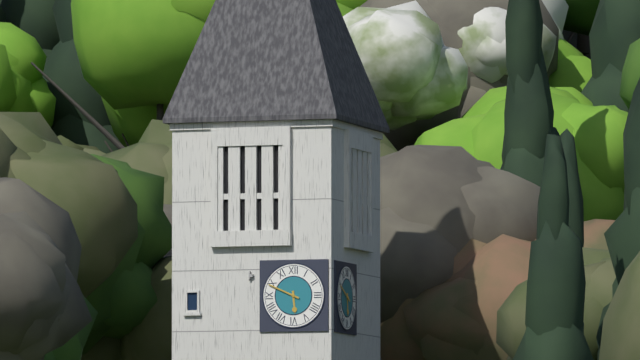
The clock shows 5:49
